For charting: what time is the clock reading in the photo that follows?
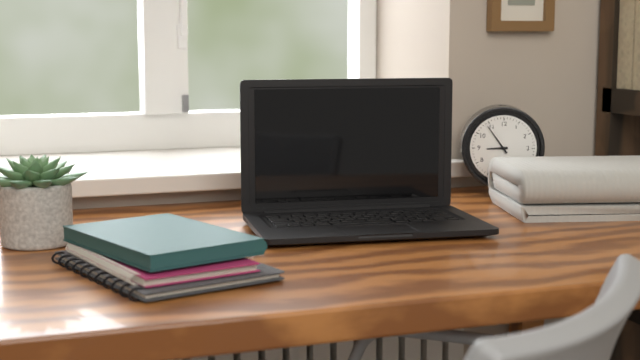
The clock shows 8:54
